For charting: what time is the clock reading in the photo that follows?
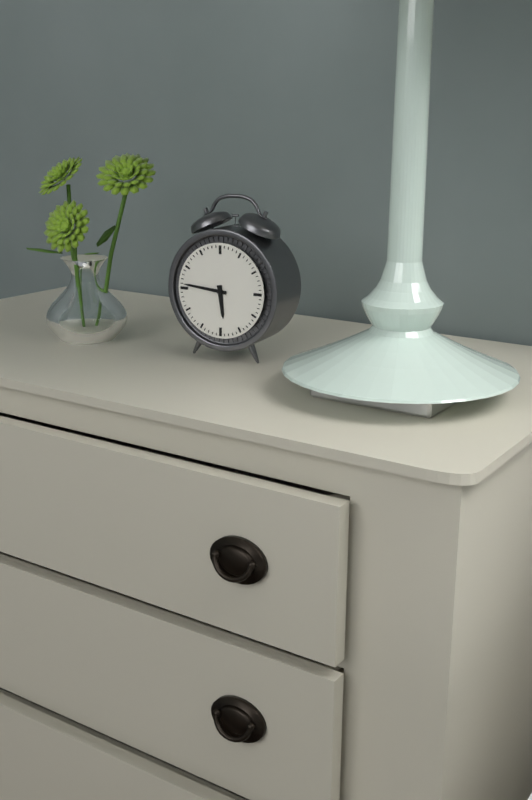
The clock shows 5:46
